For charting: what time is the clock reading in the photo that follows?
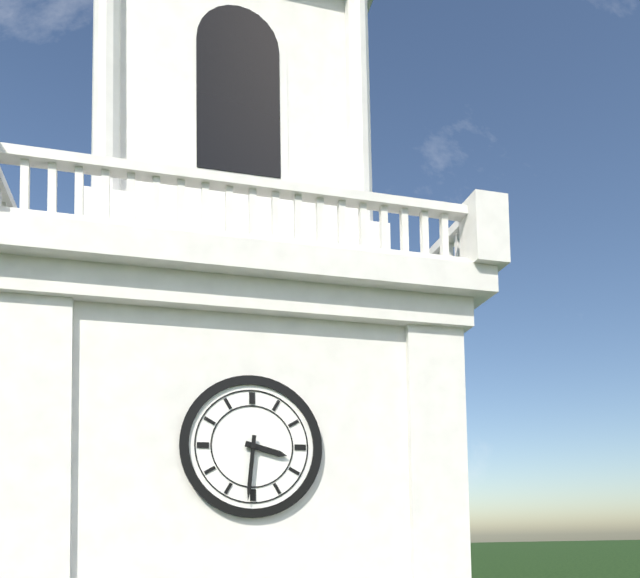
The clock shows 3:31
